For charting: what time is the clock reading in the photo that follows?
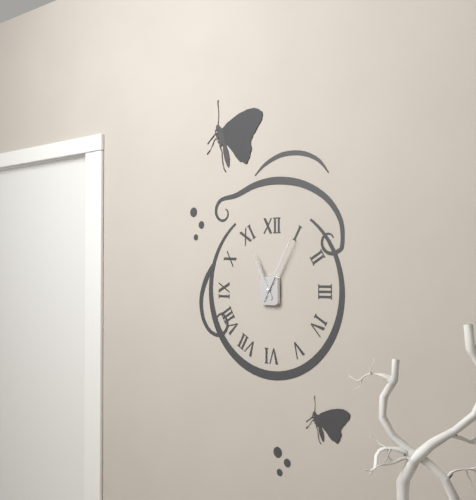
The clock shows 11:05
